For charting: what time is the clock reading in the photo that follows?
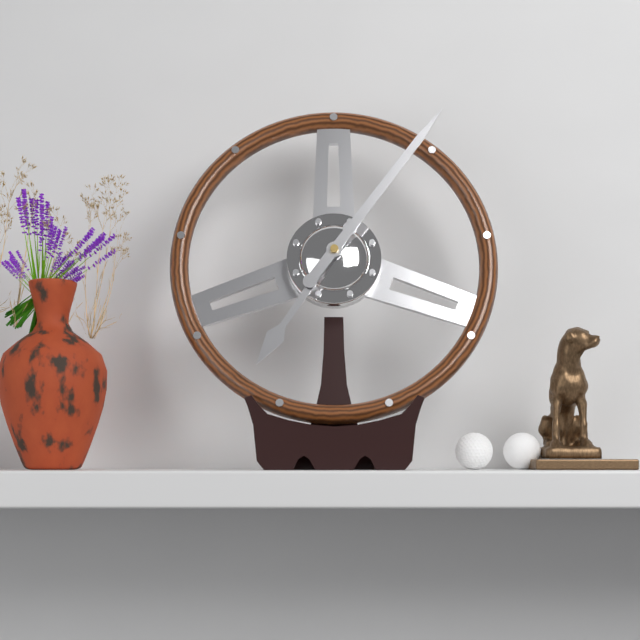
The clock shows 7:06
